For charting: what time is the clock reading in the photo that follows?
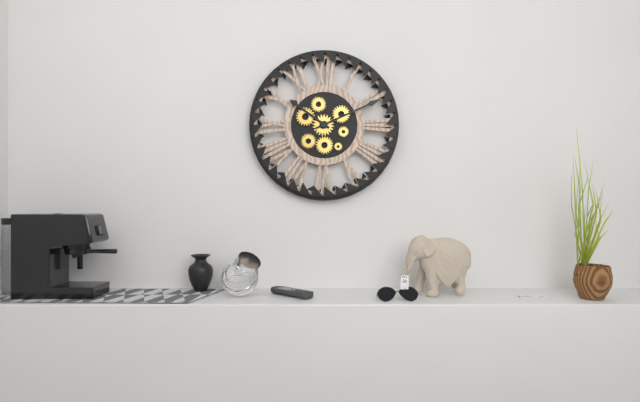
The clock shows 10:11
